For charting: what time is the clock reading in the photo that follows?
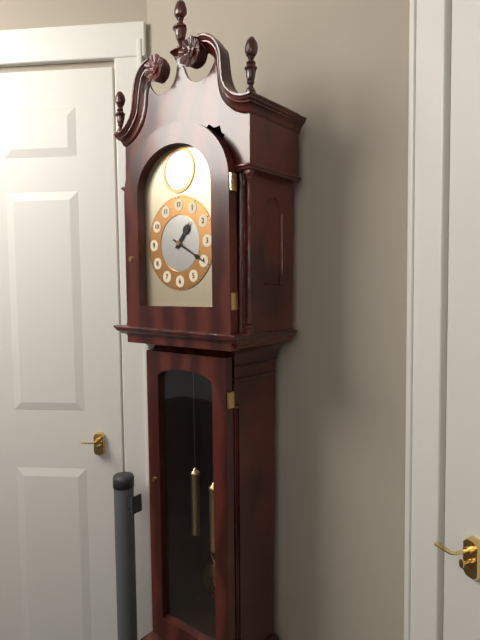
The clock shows 1:20
